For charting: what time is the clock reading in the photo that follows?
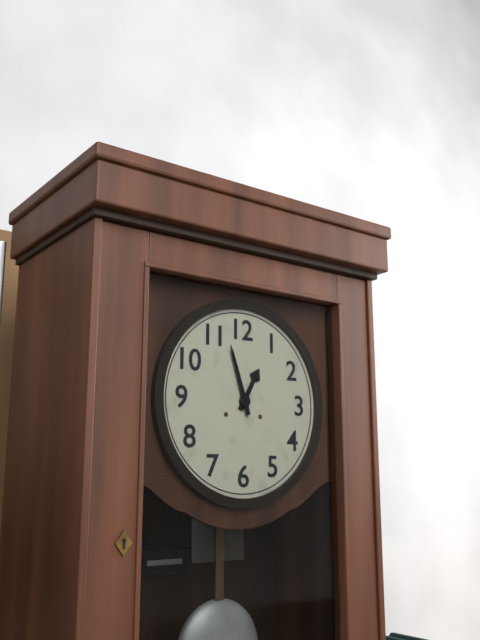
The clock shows 12:57
